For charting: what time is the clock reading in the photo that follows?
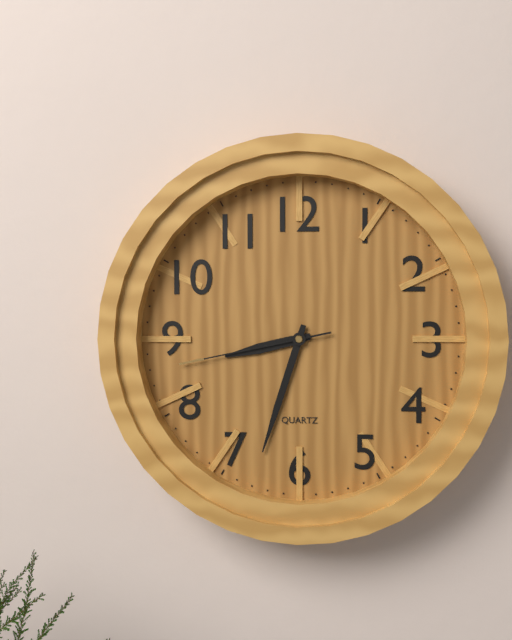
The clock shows 8:33:43
